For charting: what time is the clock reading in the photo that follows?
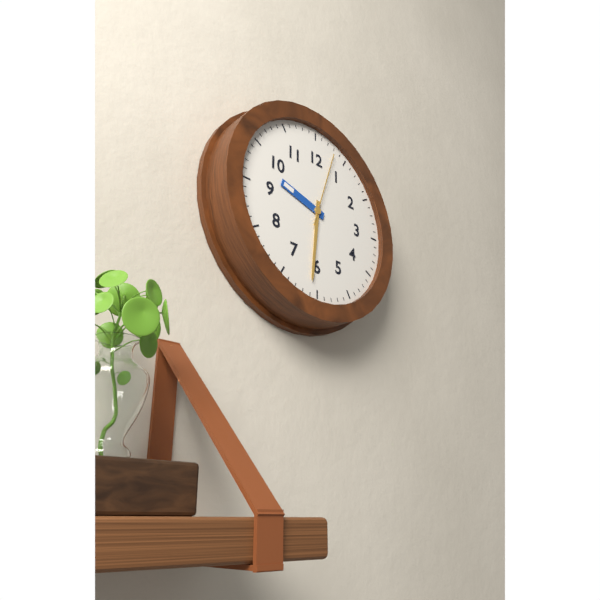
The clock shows 9:31:03
